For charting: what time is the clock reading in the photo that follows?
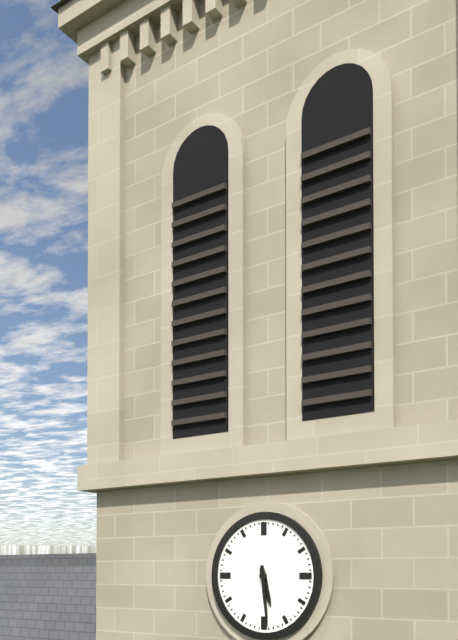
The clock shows 5:29
